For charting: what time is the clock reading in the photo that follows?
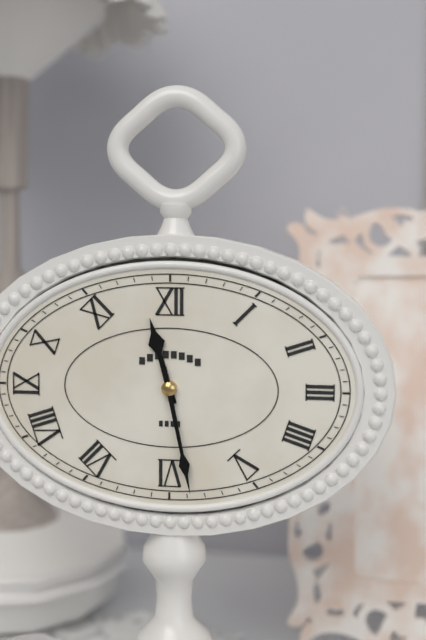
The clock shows 11:28
